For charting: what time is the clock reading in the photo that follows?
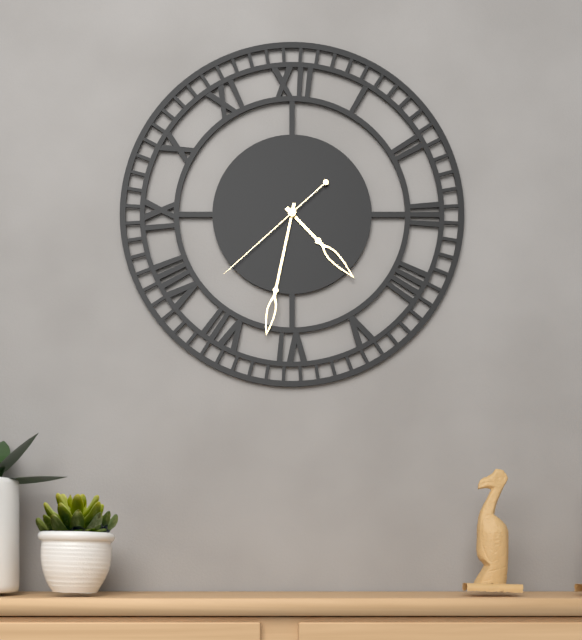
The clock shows 4:32:38
